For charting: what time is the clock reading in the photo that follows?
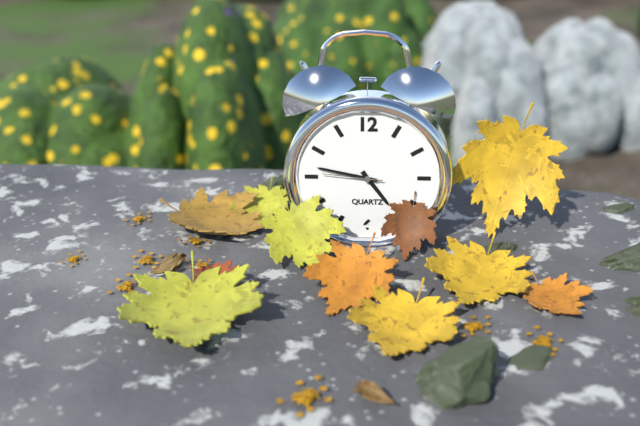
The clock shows 4:47:46
